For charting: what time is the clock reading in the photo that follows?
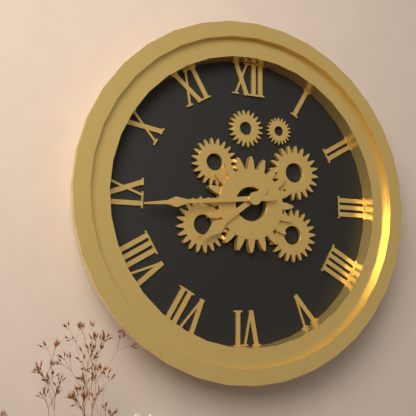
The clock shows 7:44
